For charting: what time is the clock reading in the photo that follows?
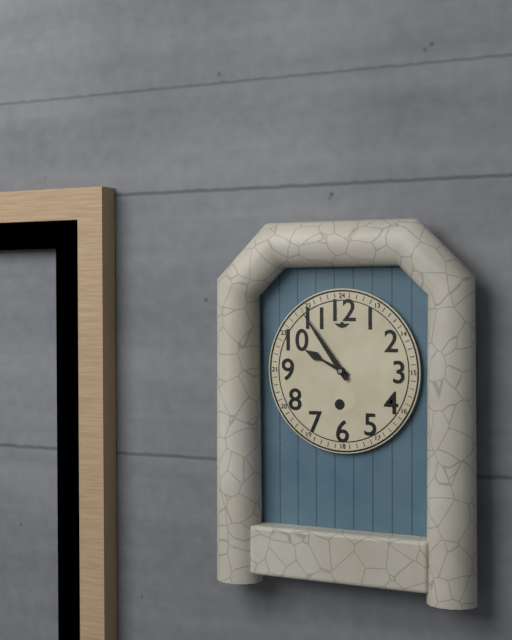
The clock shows 9:54
